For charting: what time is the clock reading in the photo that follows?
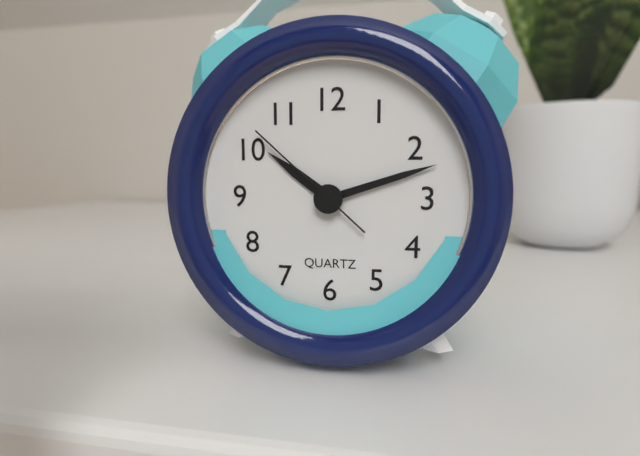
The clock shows 10:12:52
